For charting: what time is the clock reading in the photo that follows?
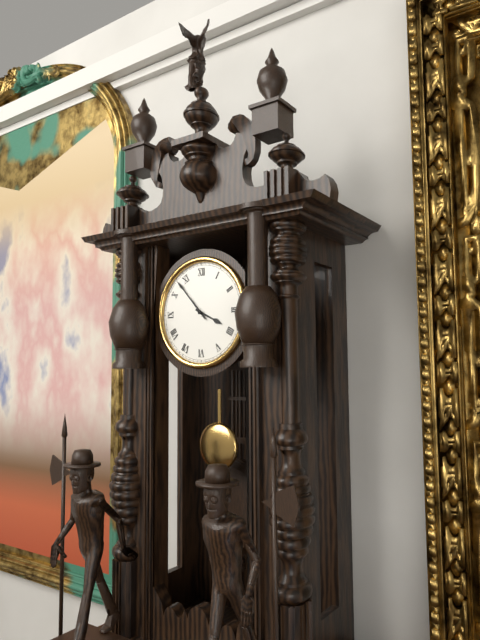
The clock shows 3:53
